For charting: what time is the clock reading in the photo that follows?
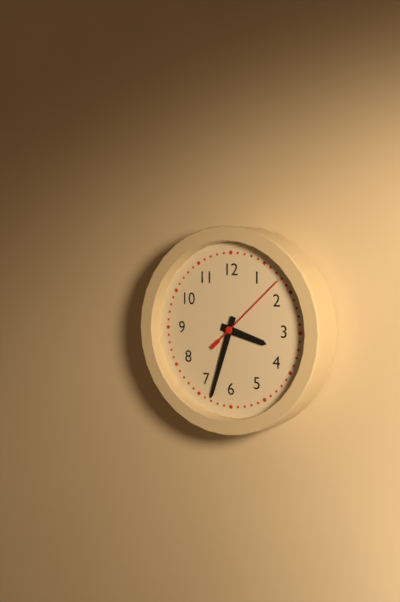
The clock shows 3:33:08
